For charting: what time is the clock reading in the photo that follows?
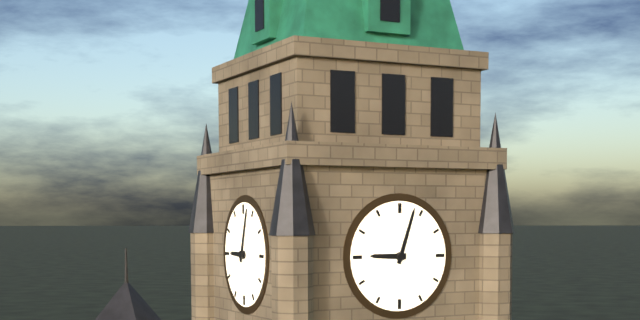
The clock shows 9:03
